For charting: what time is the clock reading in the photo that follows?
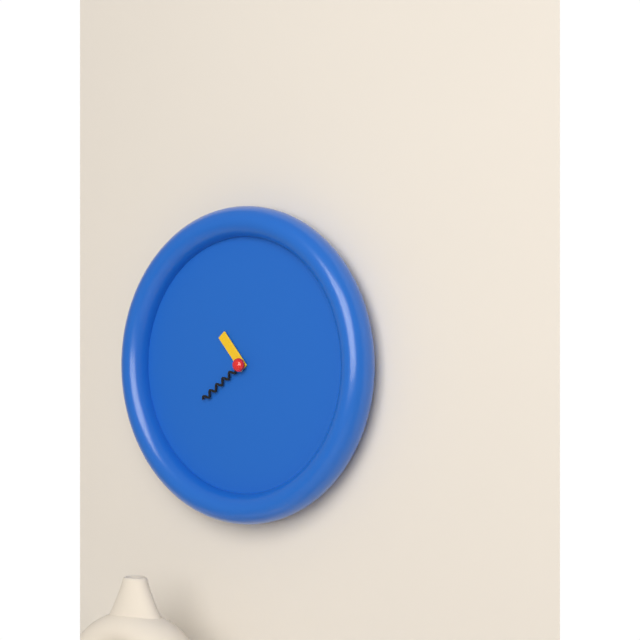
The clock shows 10:39
